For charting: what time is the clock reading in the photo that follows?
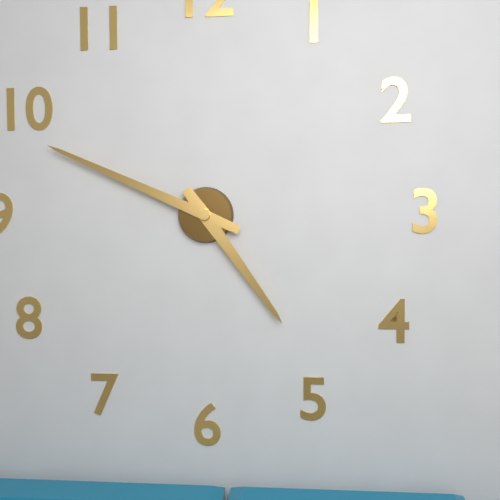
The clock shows 4:49
